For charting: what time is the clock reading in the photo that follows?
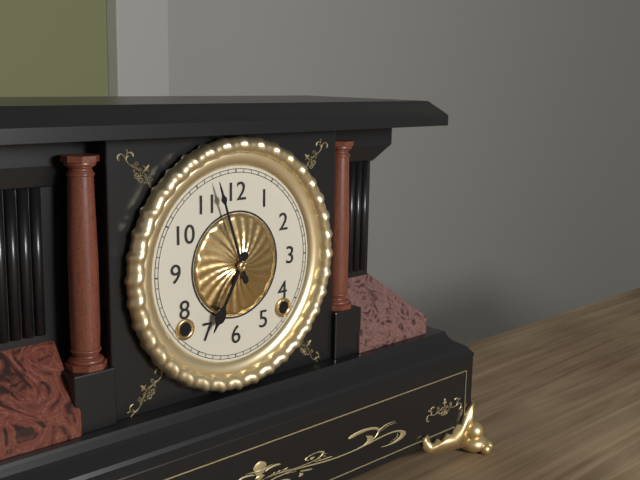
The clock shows 6:57
